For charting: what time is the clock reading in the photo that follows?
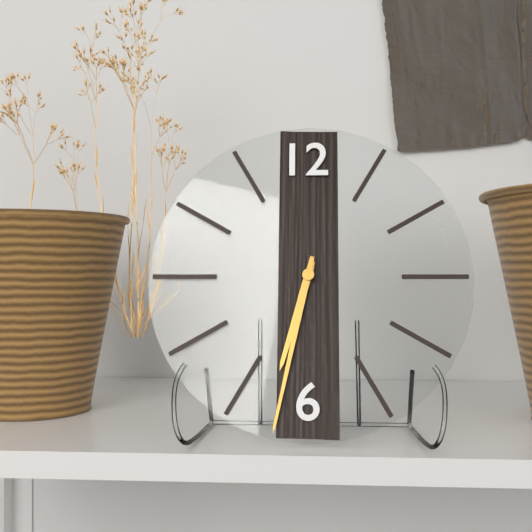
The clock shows 6:32
